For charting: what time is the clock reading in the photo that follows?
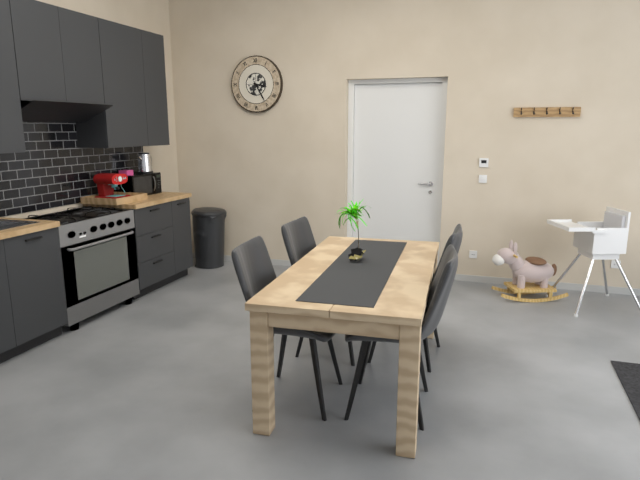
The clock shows 3:25
